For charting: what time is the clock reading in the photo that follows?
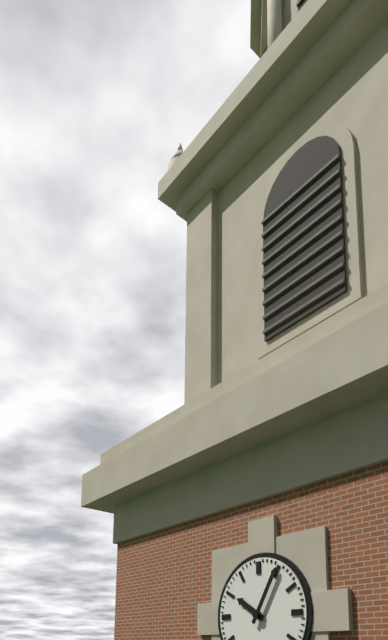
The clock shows 10:05
